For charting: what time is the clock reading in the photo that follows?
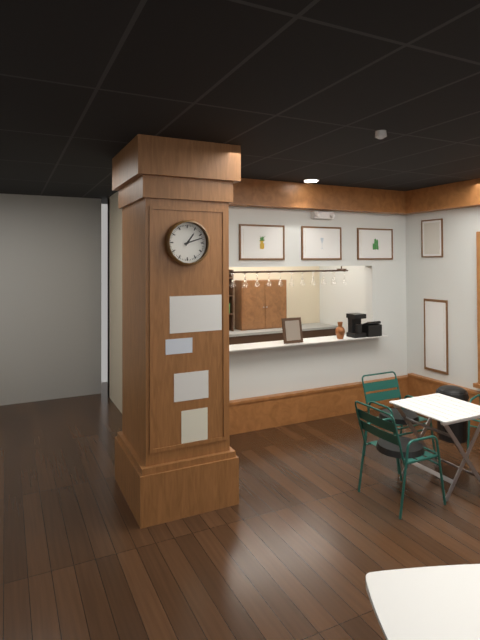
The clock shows 1:12
